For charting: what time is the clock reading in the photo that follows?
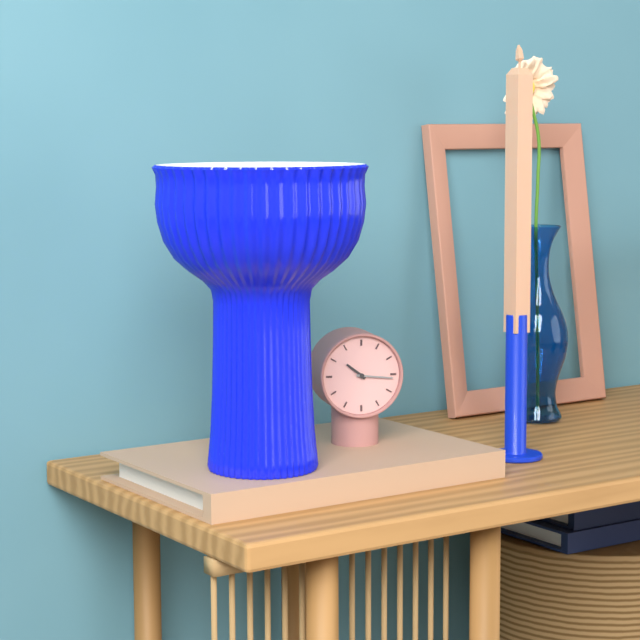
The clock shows 10:16
